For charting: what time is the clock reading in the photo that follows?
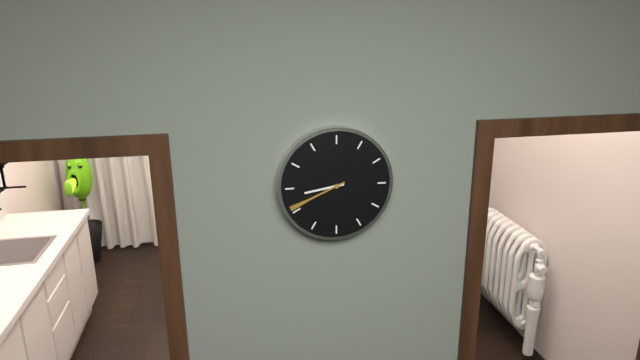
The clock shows 8:41
